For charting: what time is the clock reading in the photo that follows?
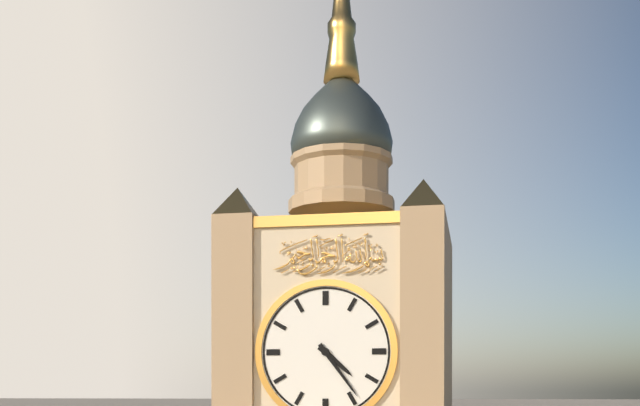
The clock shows 4:24
